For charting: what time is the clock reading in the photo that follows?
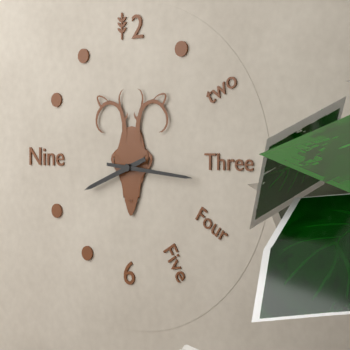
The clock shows 8:16
